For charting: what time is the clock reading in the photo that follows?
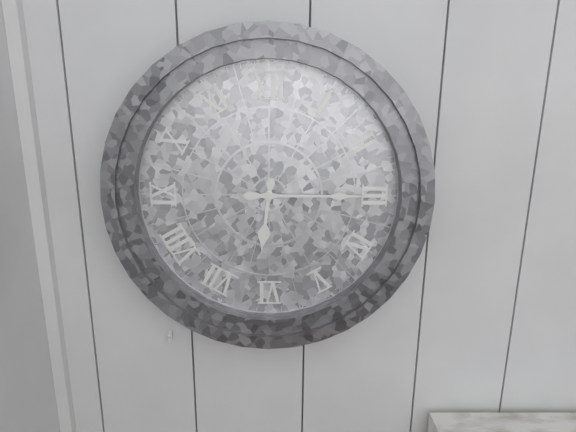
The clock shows 6:15
